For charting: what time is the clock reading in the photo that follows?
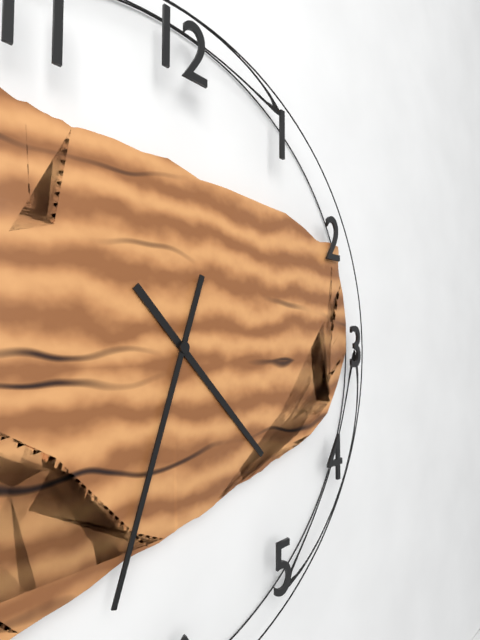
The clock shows 4:33
